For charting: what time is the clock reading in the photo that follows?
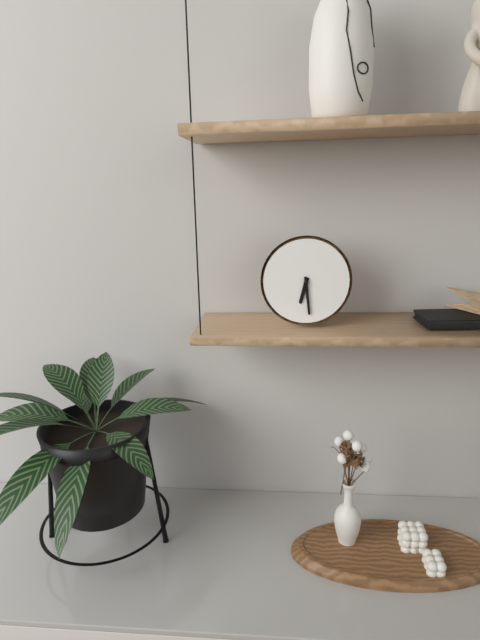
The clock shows 6:29
